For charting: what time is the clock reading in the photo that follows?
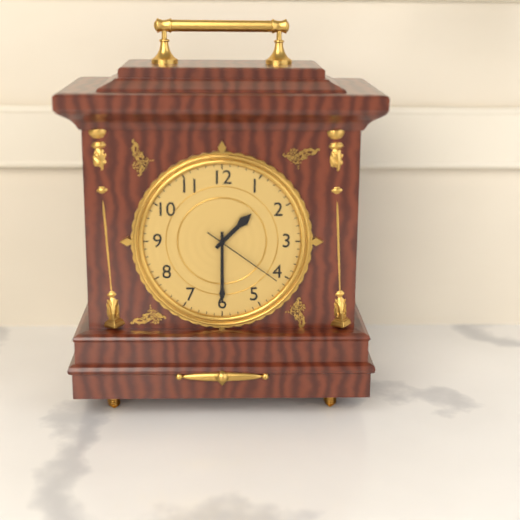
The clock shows 1:30:21
